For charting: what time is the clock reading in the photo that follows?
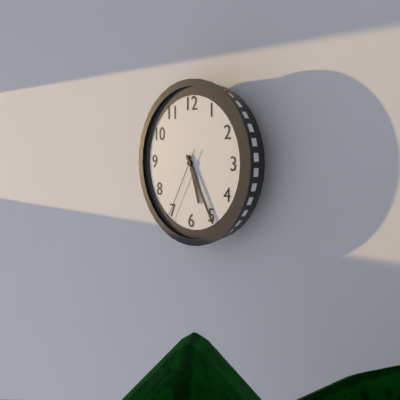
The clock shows 5:25:35
